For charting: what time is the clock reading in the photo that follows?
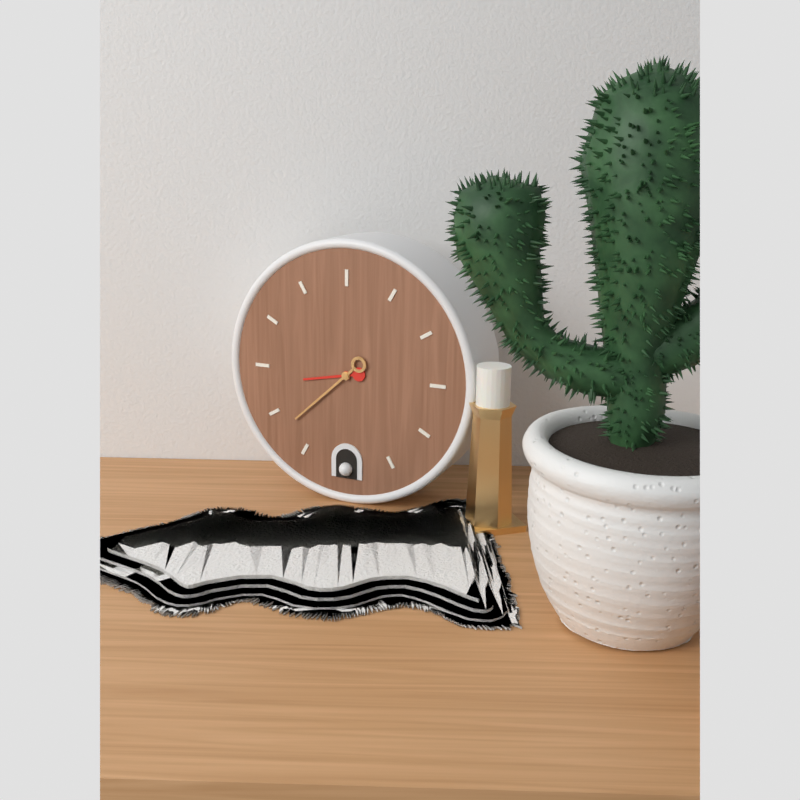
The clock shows 8:38
